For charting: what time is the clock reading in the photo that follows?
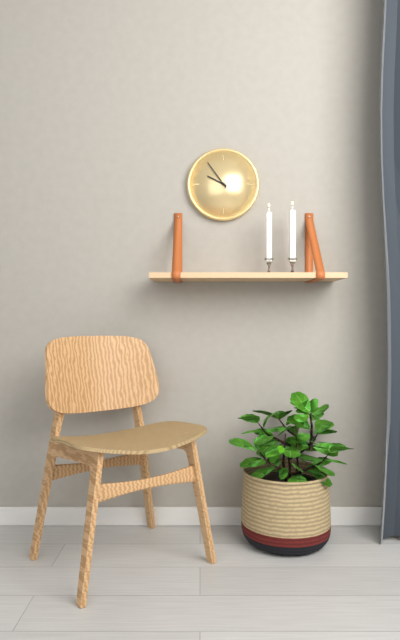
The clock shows 9:54
